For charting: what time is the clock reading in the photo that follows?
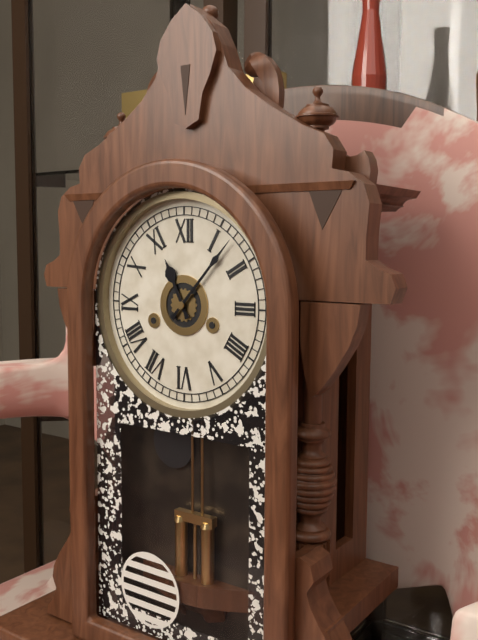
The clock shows 11:07
